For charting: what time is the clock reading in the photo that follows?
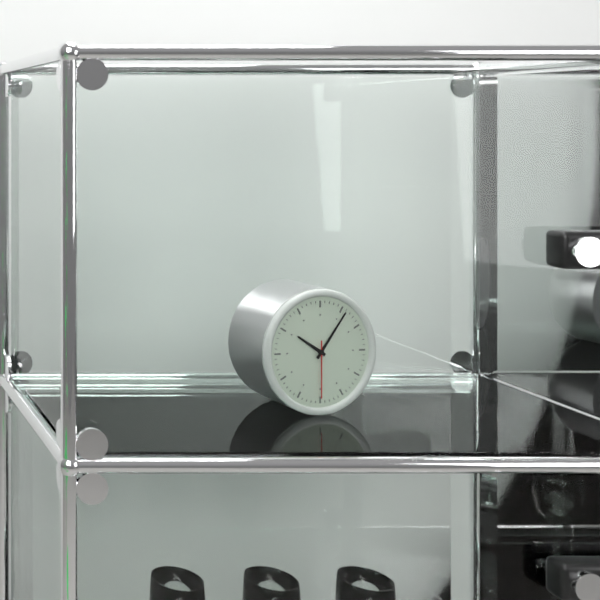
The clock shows 10:06:30
